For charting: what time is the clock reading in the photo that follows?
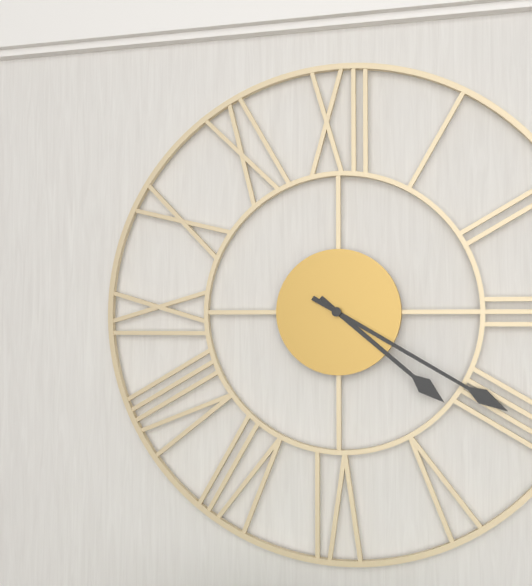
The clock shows 4:20
